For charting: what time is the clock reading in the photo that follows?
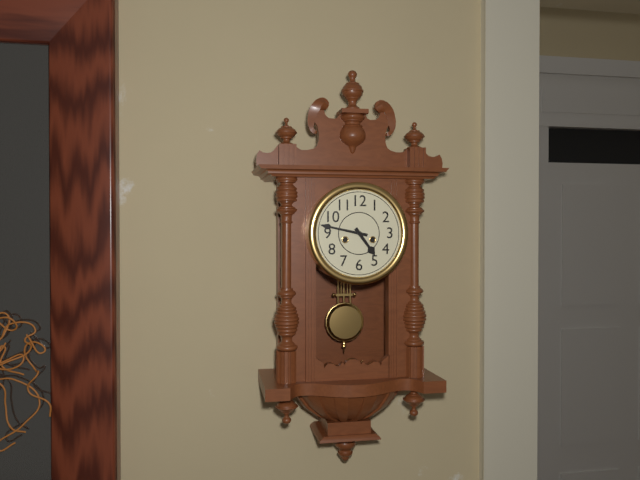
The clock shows 4:47
